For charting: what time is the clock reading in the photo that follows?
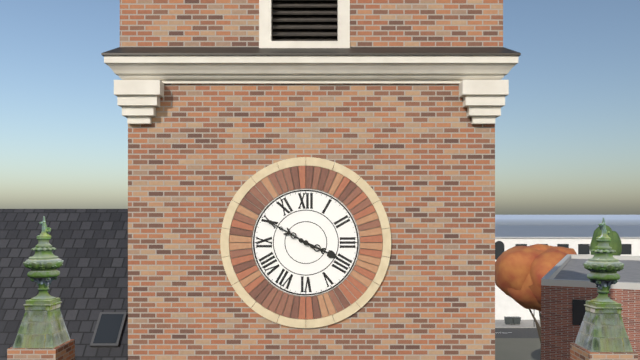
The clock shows 3:50
